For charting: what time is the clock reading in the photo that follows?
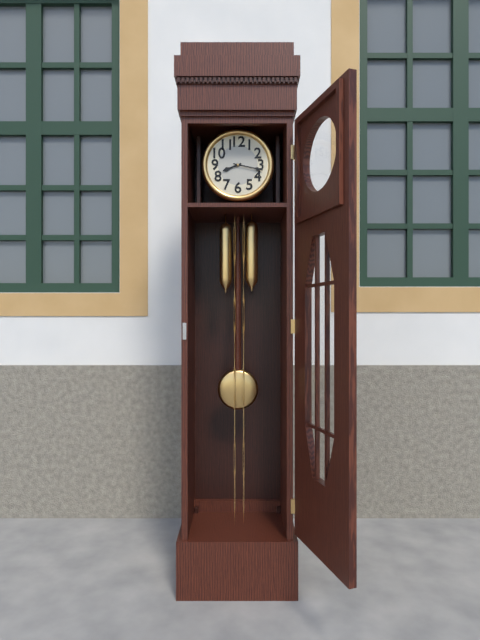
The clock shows 8:17
